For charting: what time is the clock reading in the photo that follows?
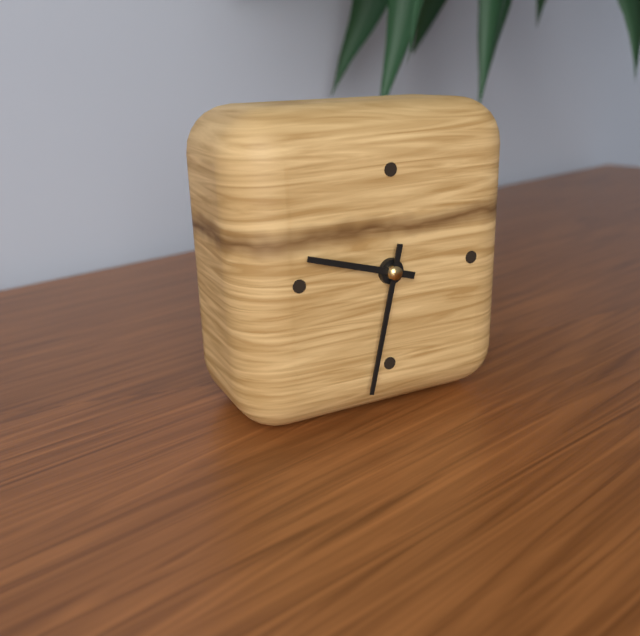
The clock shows 9:32
